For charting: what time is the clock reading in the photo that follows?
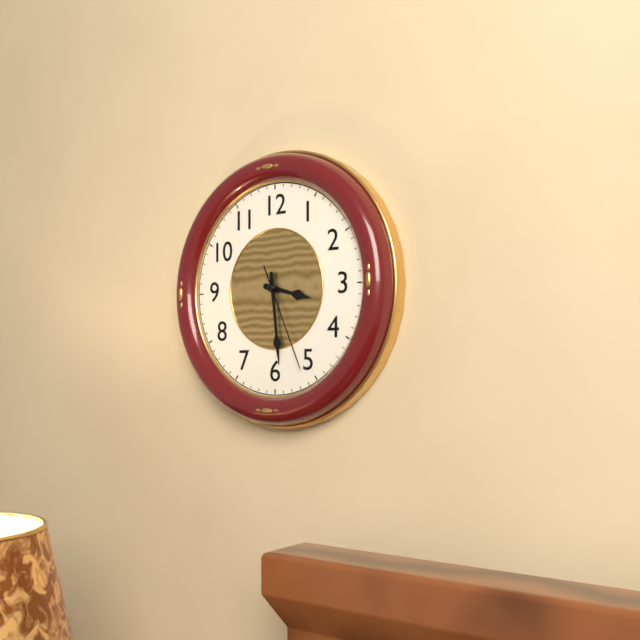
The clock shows 3:29:26
